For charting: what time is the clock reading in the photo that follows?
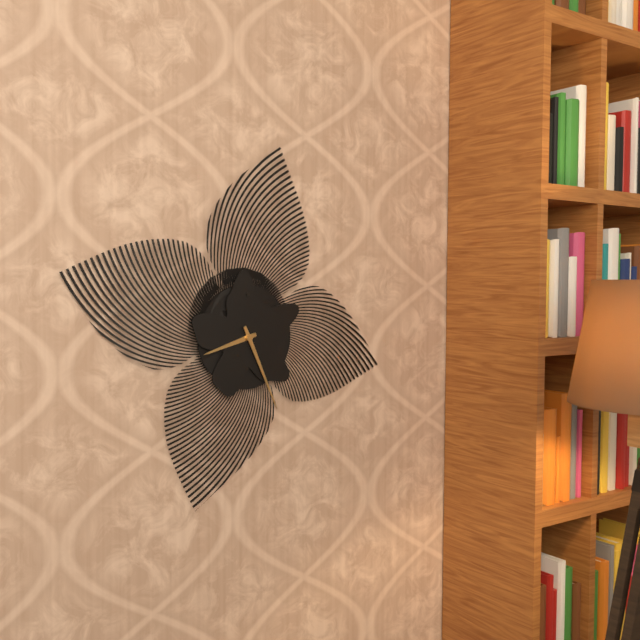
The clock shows 8:26
